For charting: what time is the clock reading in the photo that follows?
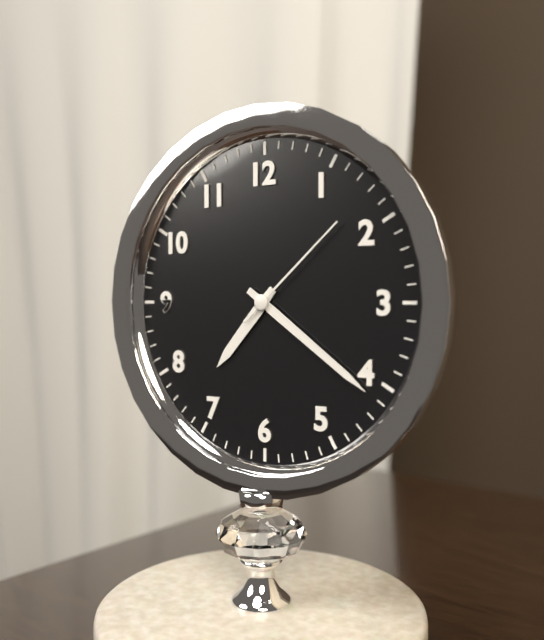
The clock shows 7:21:08
